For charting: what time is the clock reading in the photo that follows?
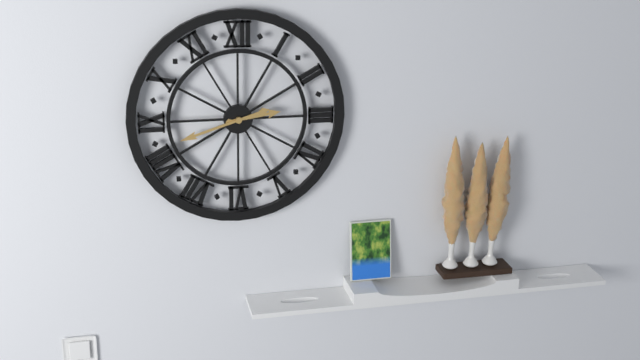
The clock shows 2:42
